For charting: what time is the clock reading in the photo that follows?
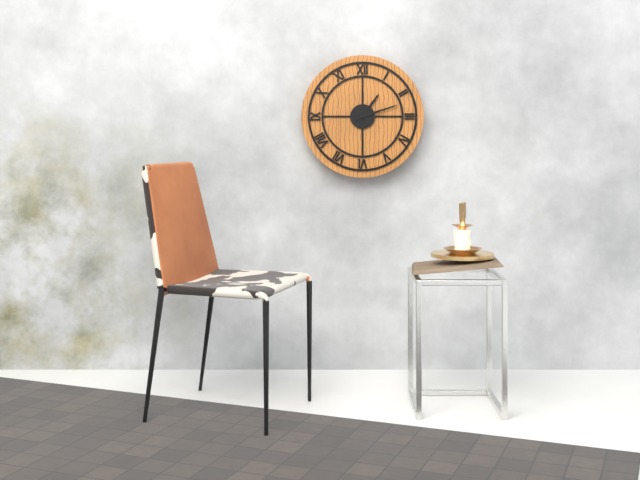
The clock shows 1:12
